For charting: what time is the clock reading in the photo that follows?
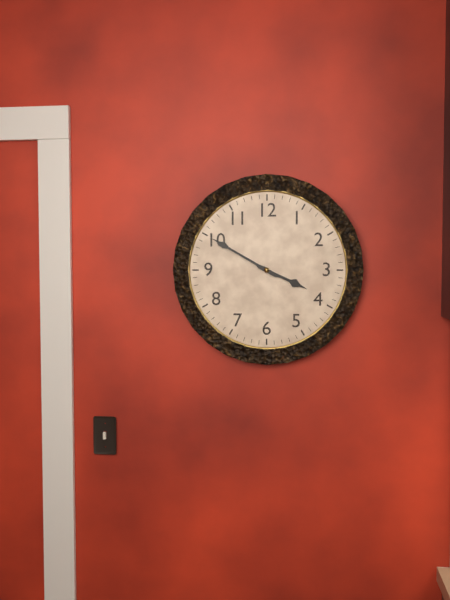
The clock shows 3:50
